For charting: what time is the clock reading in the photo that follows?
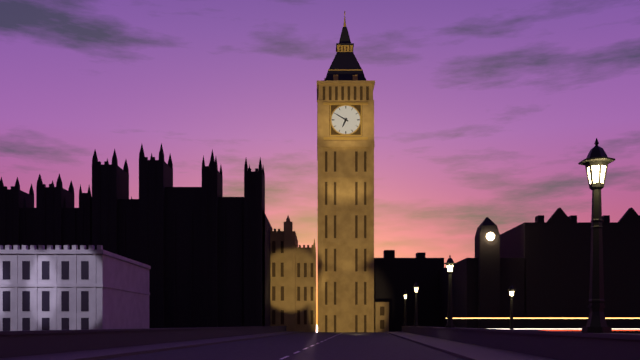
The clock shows 6:50
